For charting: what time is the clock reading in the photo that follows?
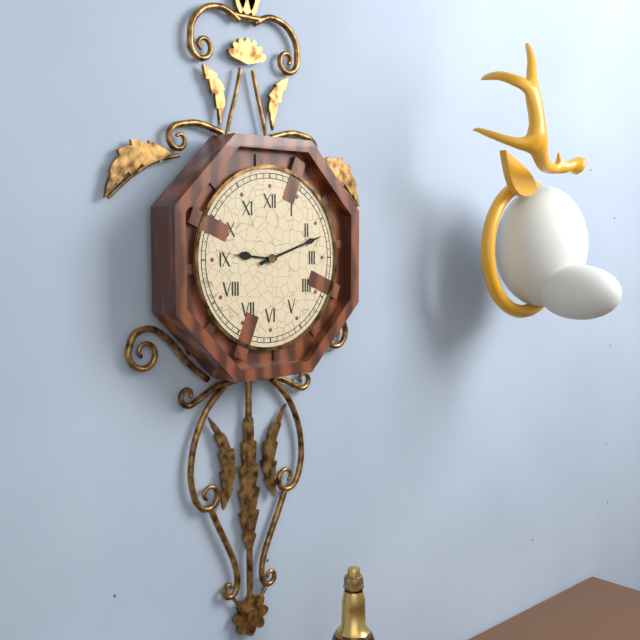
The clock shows 9:12
